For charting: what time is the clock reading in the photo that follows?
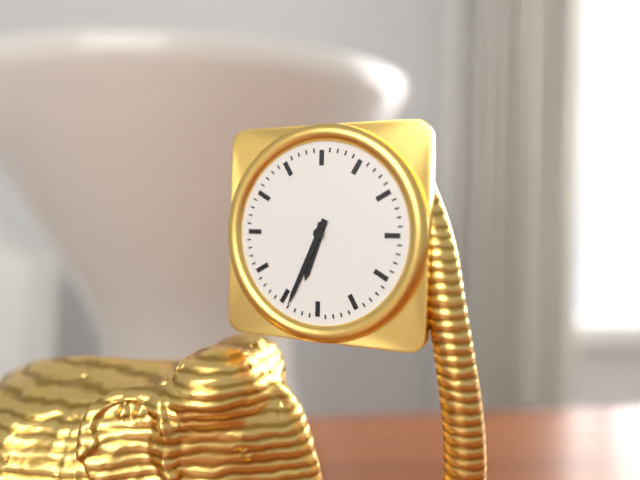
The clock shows 6:34
